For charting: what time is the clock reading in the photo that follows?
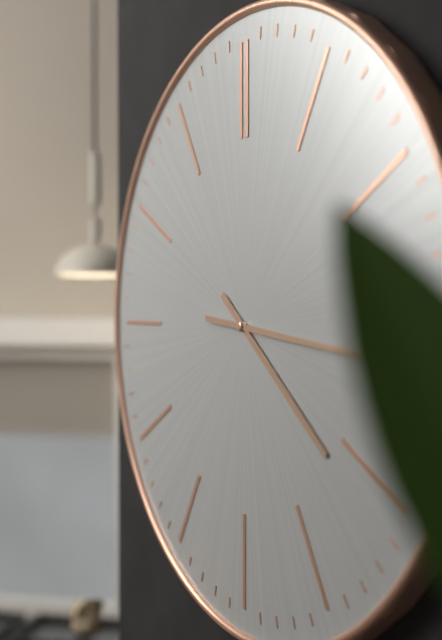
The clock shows 4:16
